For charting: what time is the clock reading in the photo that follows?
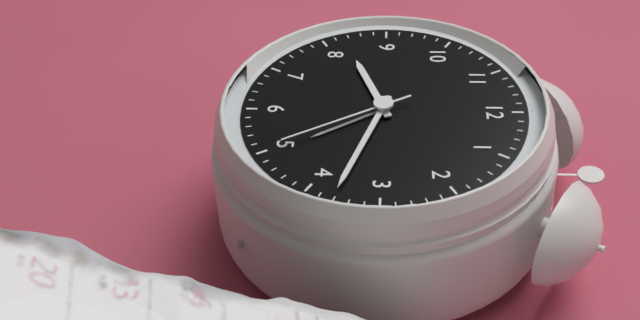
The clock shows 8:18:25
